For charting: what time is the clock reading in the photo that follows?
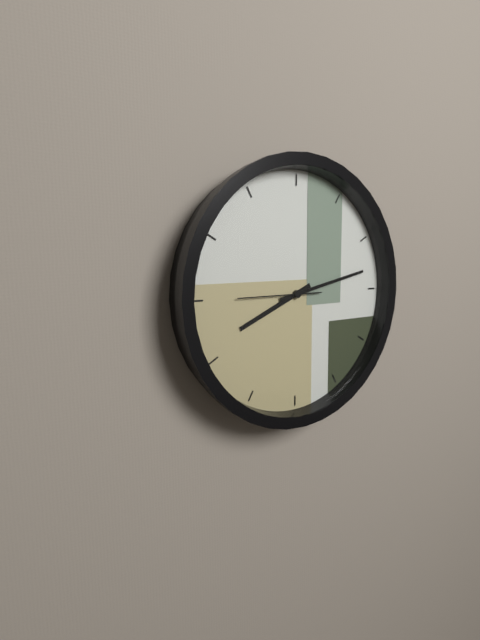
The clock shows 8:13:45
